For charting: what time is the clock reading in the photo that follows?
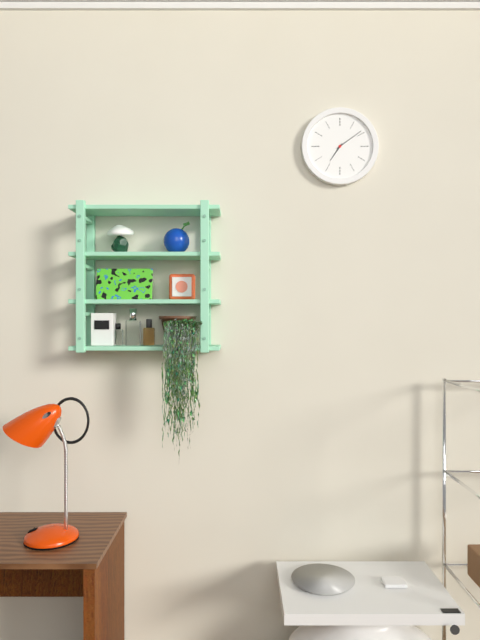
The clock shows 7:09
